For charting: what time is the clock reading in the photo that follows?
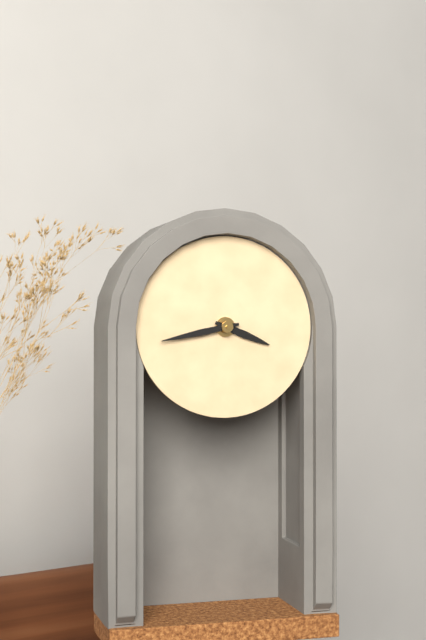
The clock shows 3:43
